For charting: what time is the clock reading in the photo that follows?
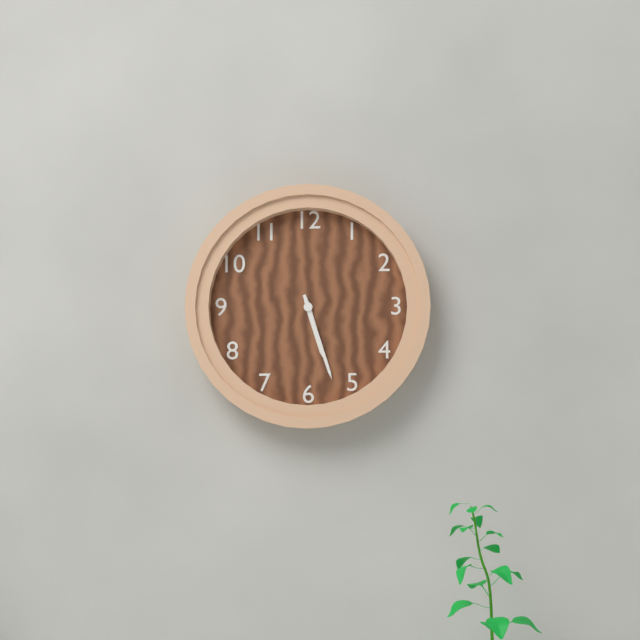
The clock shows 5:27
